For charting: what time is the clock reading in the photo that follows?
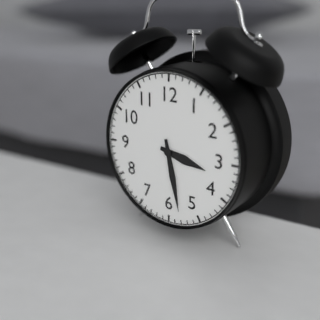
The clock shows 3:28
